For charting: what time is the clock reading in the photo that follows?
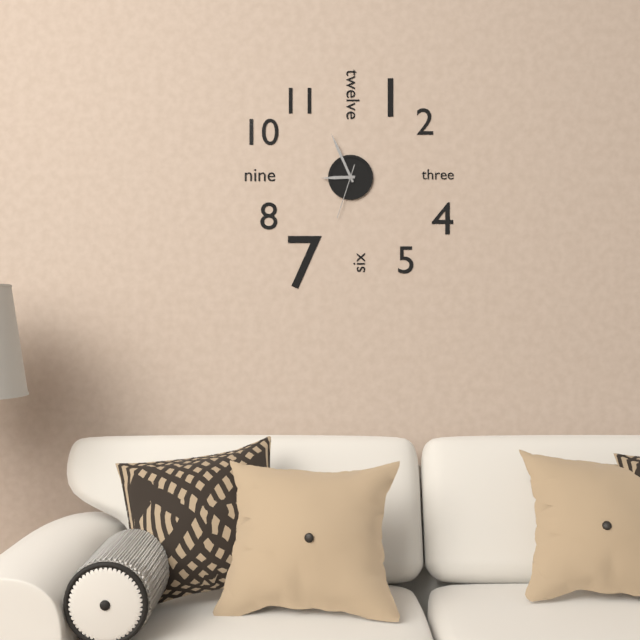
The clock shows 8:56:33
